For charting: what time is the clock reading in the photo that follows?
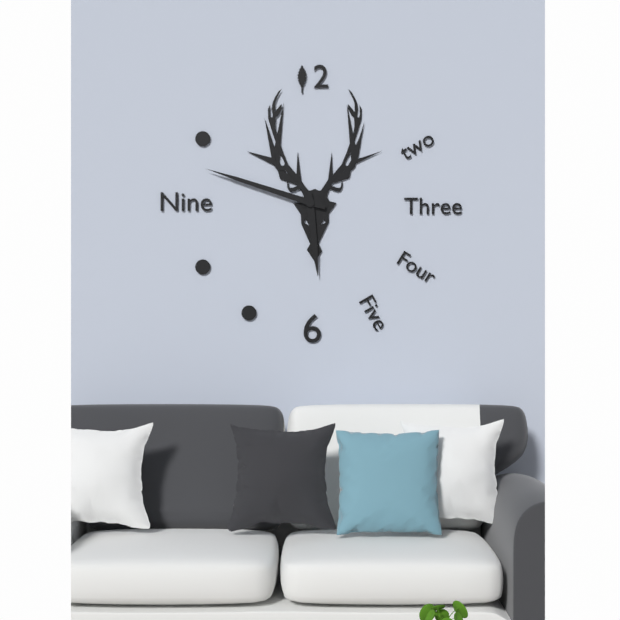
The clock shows 5:48
